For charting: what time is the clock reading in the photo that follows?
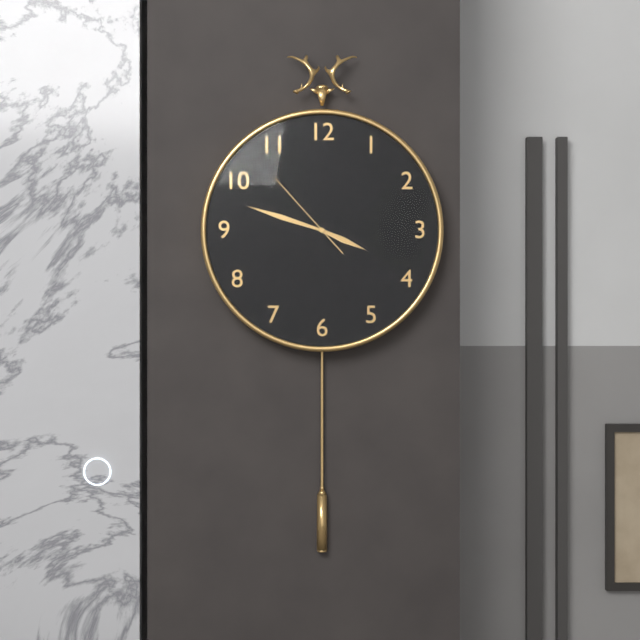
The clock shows 3:48:53
